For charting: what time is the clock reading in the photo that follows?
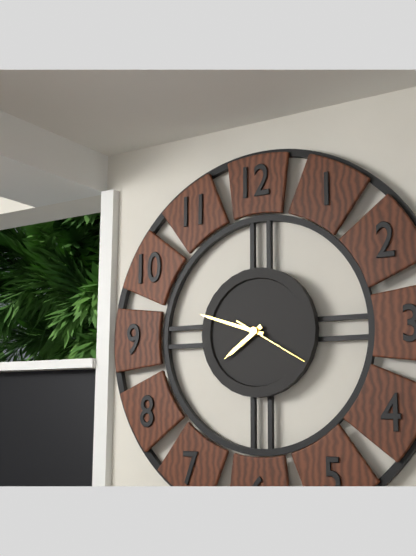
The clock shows 7:48:20
